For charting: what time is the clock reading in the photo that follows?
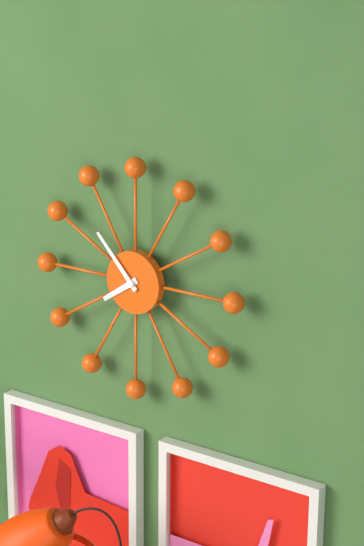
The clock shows 7:53
